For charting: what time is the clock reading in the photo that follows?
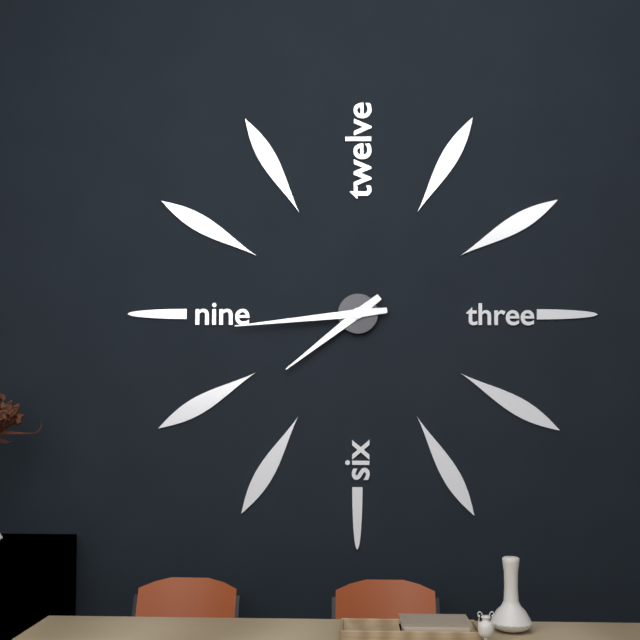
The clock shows 7:44
